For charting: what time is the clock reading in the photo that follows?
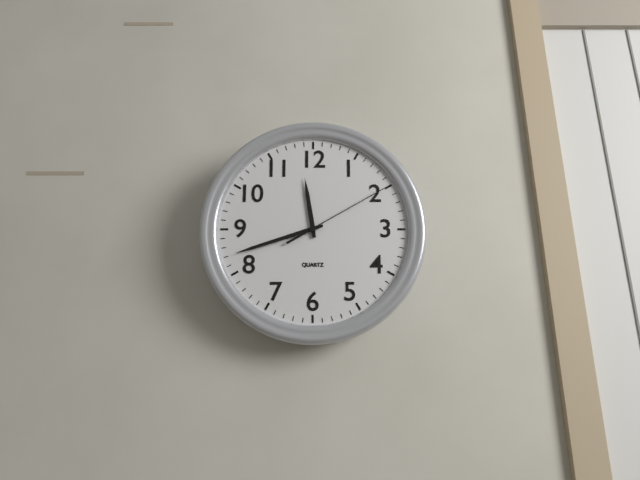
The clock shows 11:42:10
